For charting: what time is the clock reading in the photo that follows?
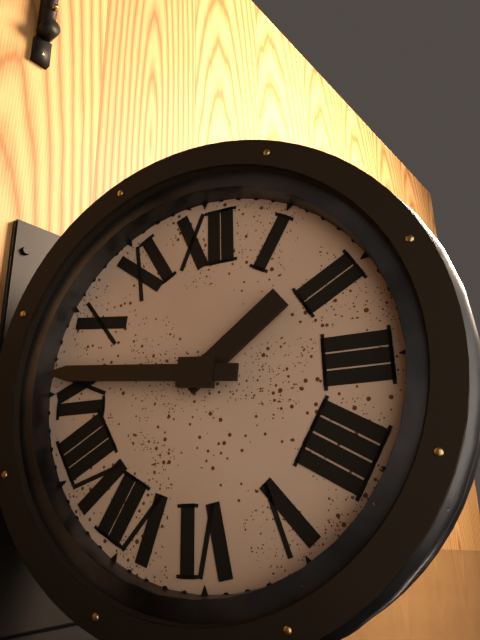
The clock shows 1:46
